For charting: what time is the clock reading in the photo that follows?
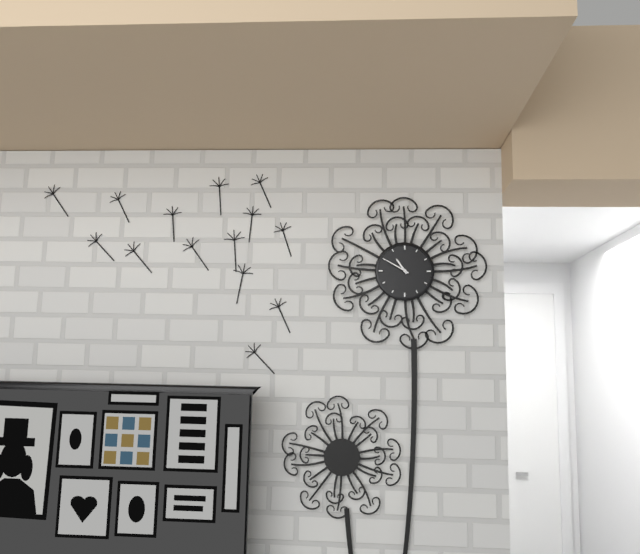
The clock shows 10:50
